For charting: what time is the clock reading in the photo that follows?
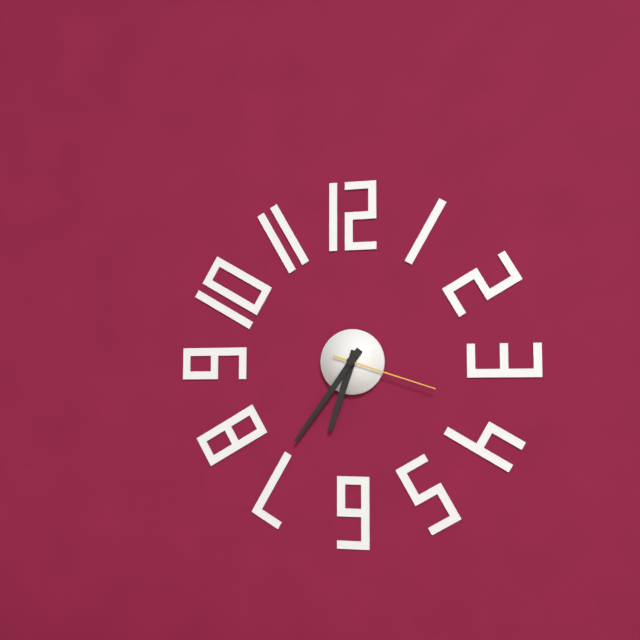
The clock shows 6:36:18
